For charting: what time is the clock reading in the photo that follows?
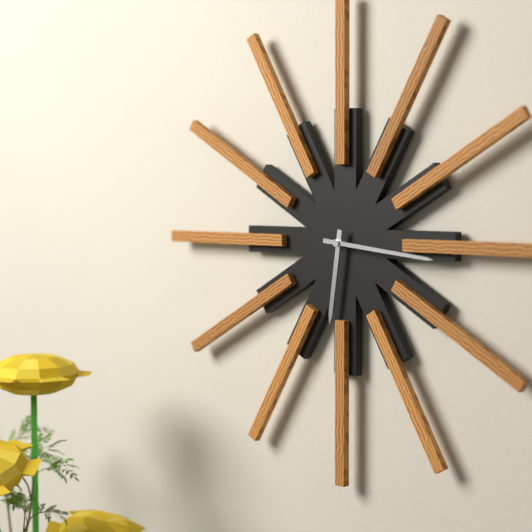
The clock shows 6:16
